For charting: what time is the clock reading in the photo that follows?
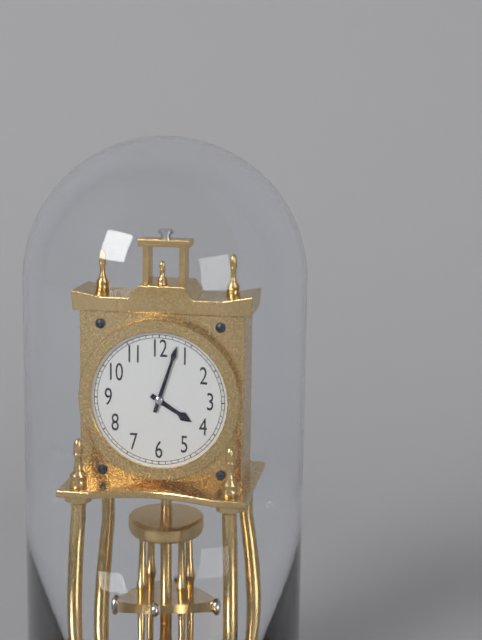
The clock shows 4:03
